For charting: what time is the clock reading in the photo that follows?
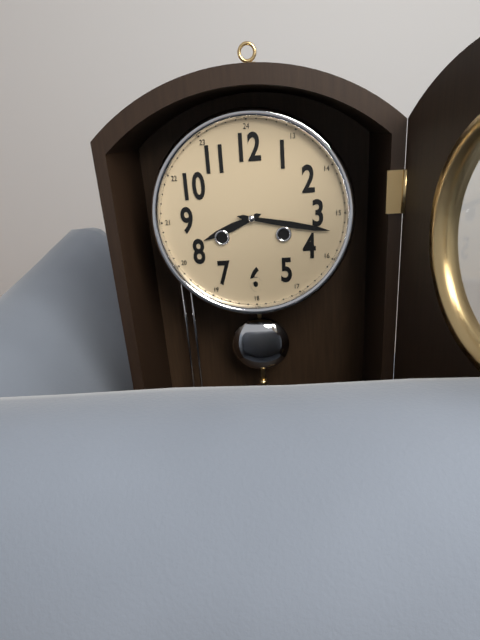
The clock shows 8:17
